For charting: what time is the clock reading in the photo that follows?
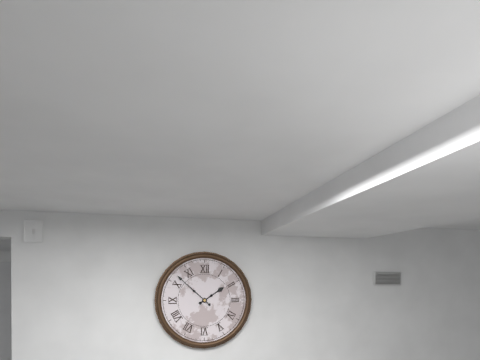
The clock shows 1:52
